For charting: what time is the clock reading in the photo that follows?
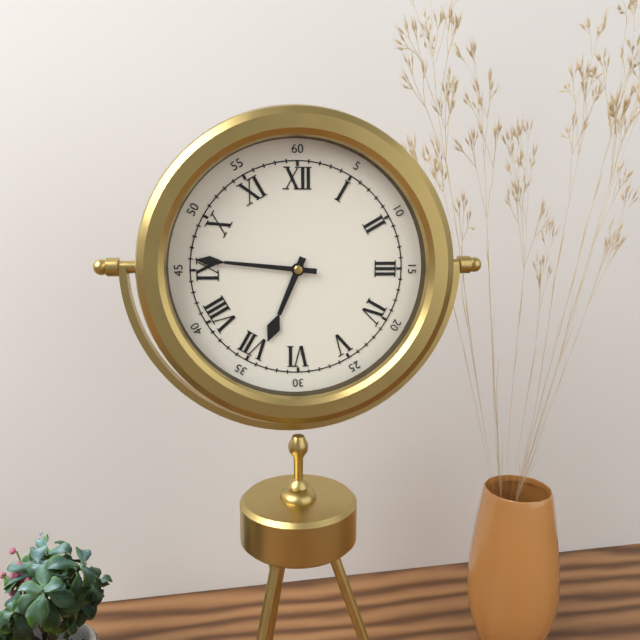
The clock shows 6:46
